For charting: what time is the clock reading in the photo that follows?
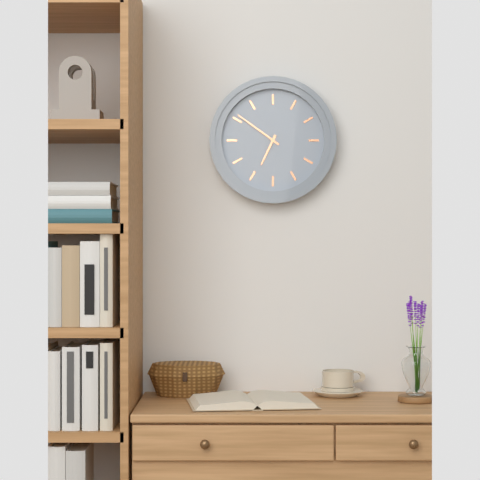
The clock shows 6:51
